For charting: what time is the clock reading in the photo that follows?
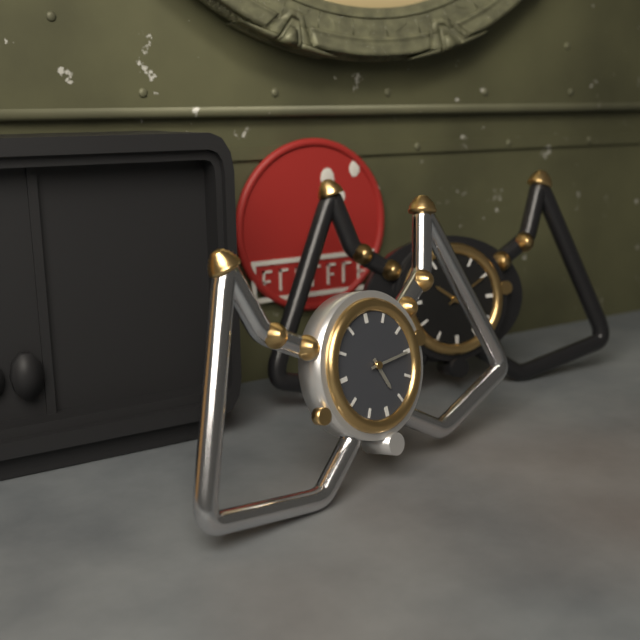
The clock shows 5:15
